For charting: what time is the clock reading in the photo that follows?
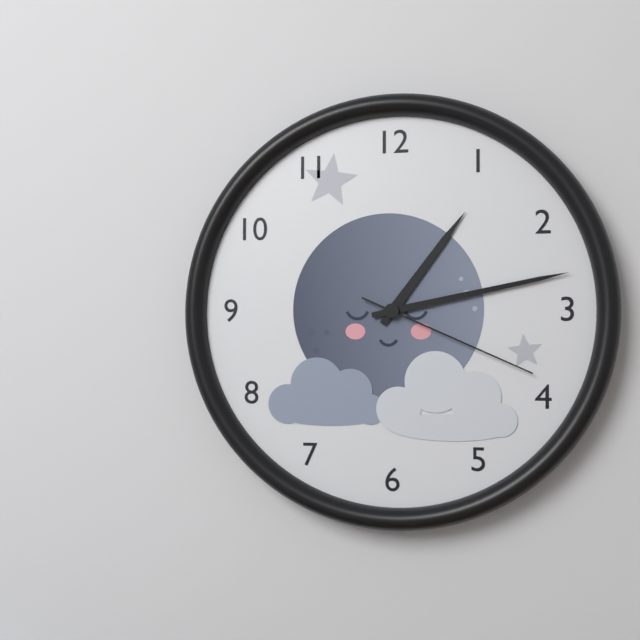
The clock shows 1:13:19
